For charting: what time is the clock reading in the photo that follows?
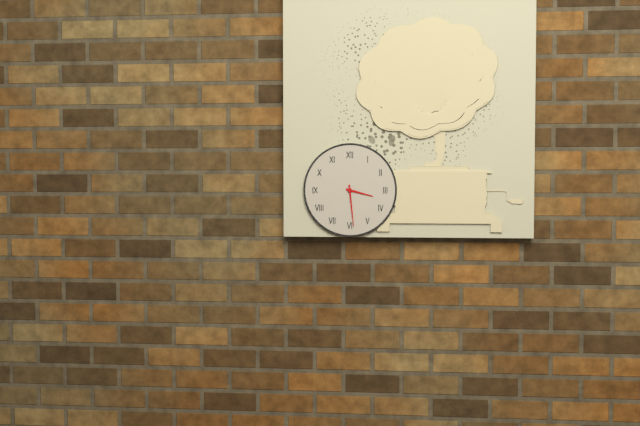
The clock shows 3:29
